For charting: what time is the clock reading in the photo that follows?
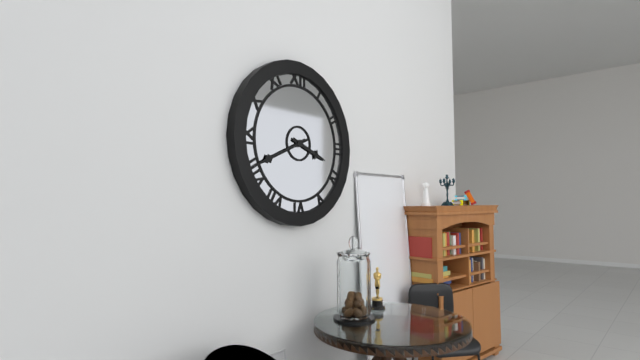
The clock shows 3:41
